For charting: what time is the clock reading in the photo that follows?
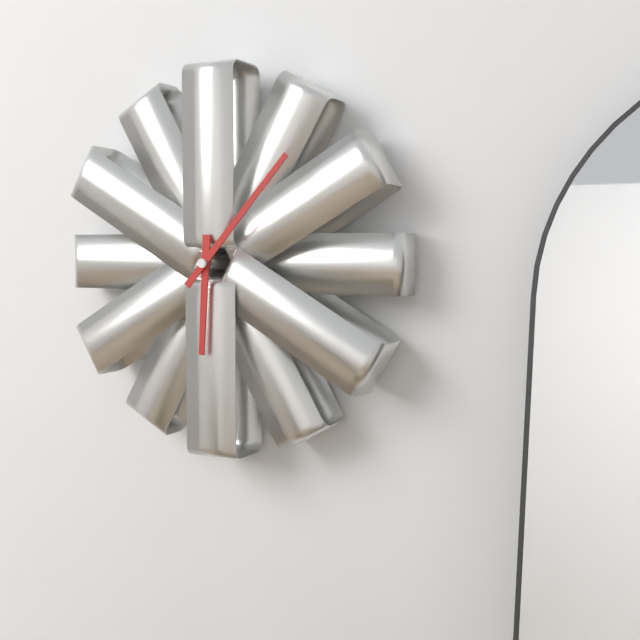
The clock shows 6:07
